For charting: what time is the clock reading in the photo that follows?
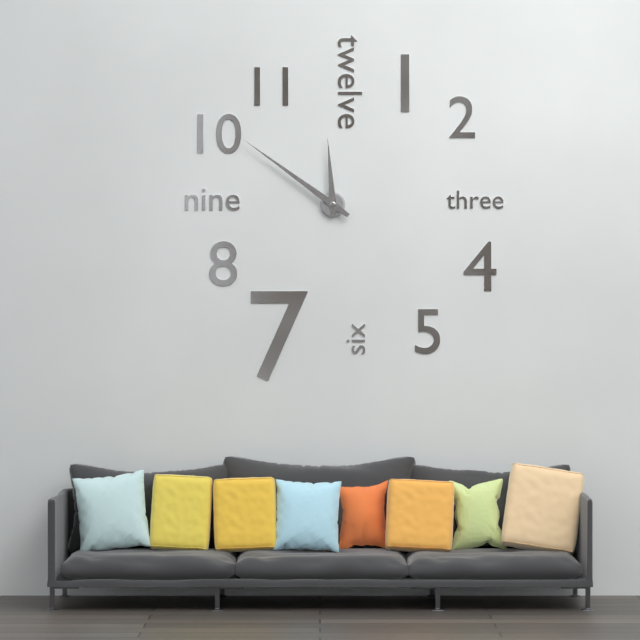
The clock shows 11:51
